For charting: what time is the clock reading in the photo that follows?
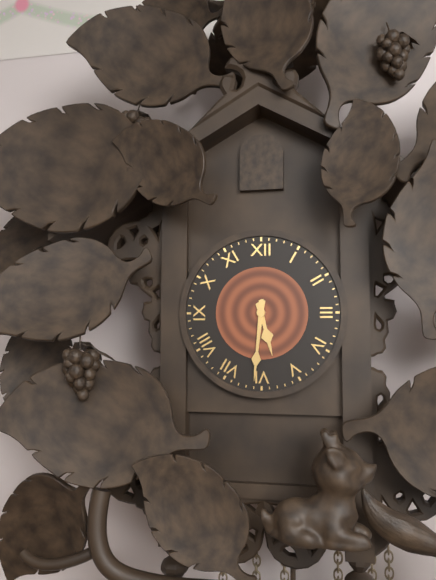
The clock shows 5:31
